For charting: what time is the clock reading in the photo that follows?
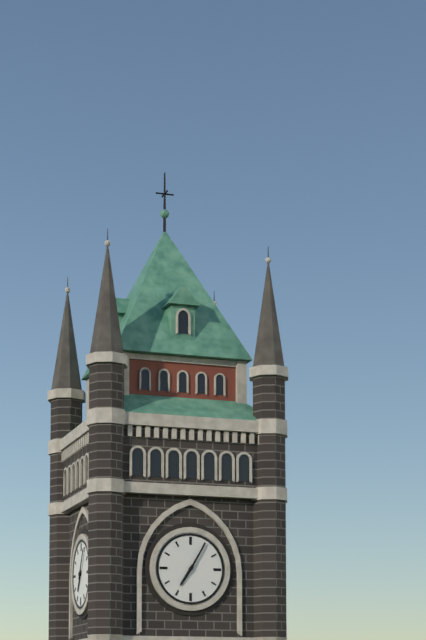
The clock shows 7:05
